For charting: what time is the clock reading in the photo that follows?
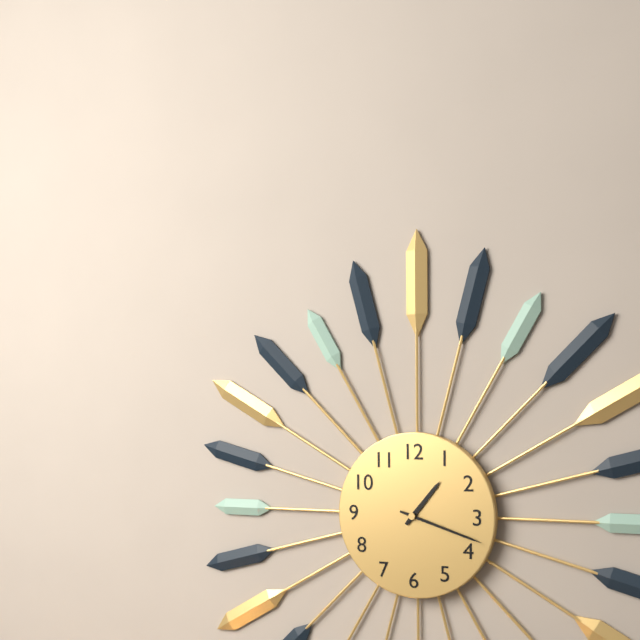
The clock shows 1:18
